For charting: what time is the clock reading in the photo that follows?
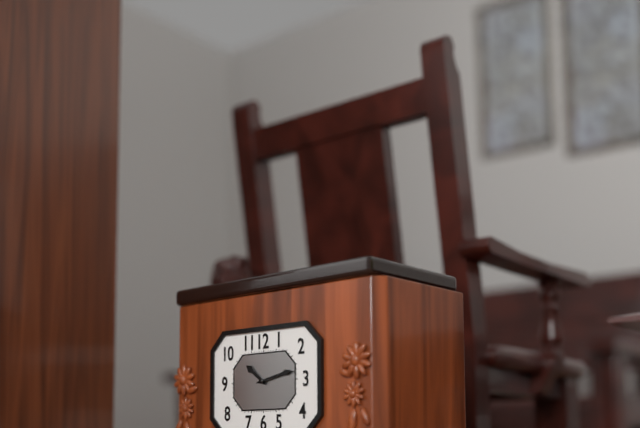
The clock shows 10:13
